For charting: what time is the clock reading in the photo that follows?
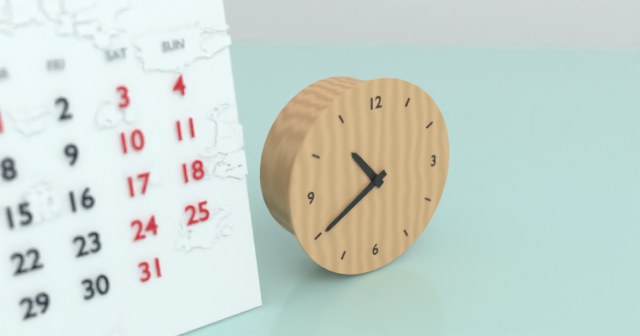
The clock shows 10:40
